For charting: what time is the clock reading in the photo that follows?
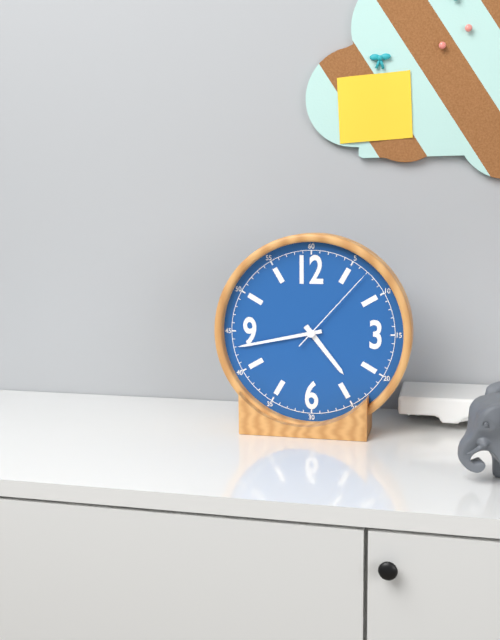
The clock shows 4:43:07
